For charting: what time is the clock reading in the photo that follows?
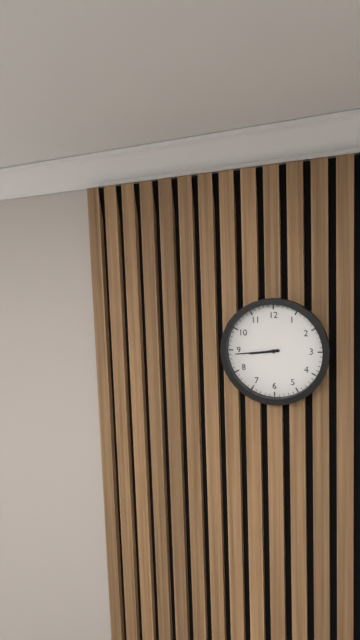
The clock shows 8:44
